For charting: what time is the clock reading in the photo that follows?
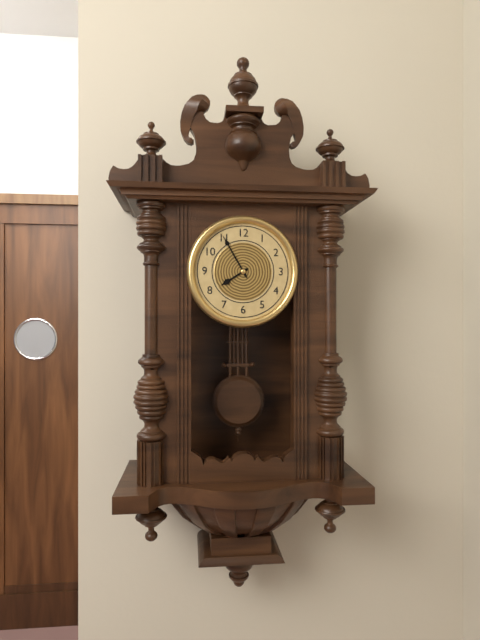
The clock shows 7:55
